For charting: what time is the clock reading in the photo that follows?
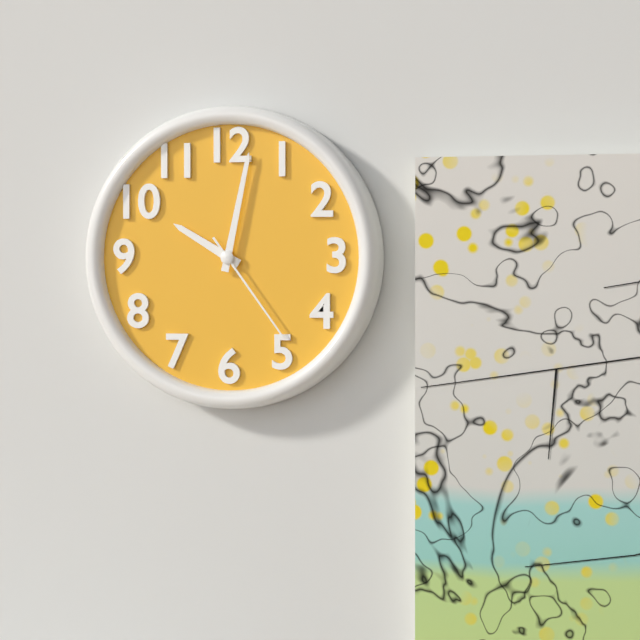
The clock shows 10:02:24
